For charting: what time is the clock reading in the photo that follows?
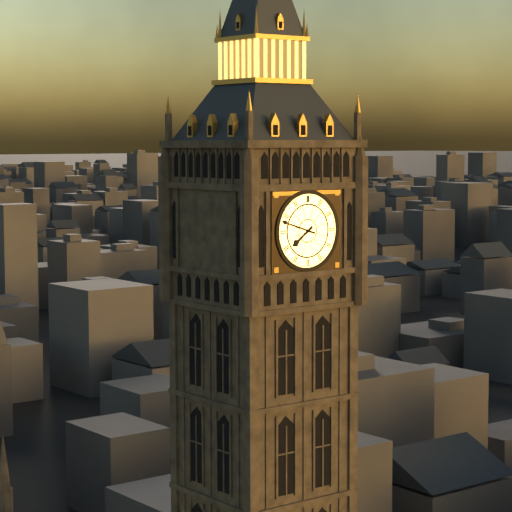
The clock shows 7:48
